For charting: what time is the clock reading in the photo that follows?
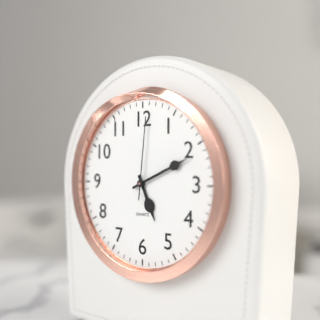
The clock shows 5:11:01
